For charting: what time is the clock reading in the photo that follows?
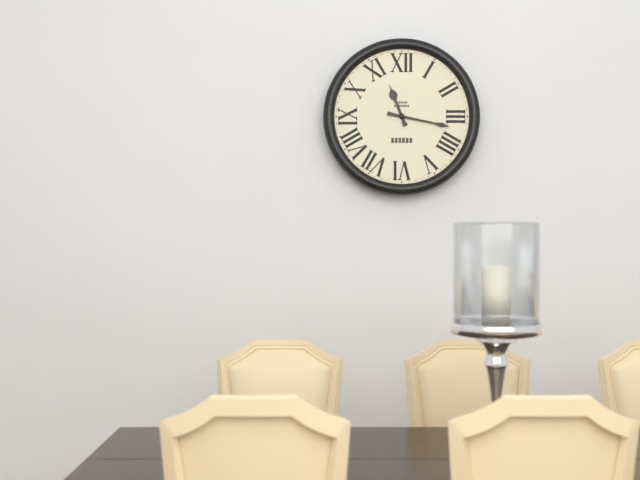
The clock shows 11:17
